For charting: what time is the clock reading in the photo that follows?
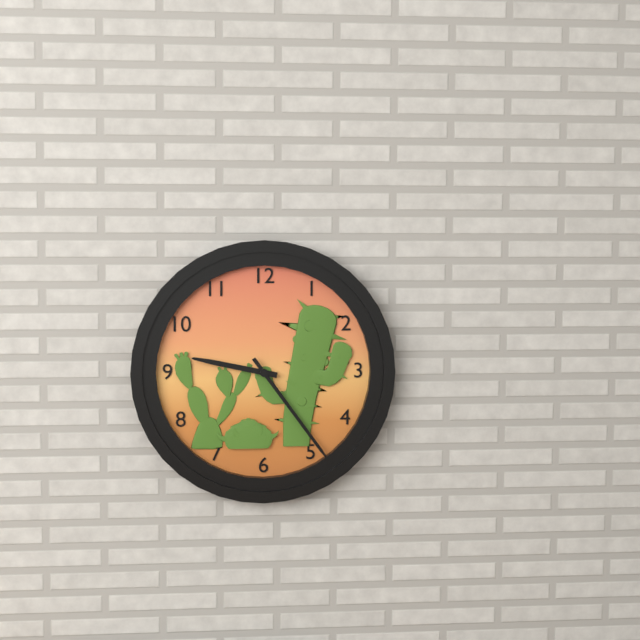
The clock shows 9:24
